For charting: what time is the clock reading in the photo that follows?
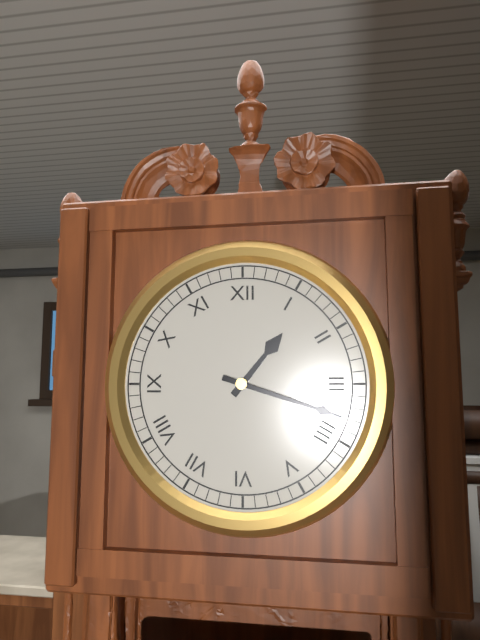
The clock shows 1:18
